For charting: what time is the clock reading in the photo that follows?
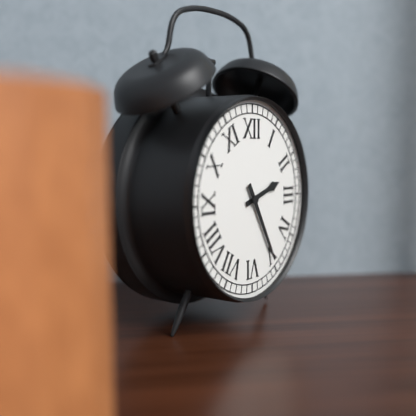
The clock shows 2:25
